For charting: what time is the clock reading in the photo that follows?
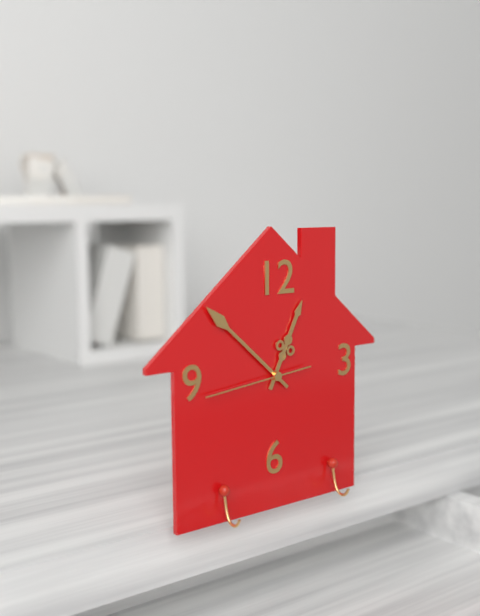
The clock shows 12:52:44
